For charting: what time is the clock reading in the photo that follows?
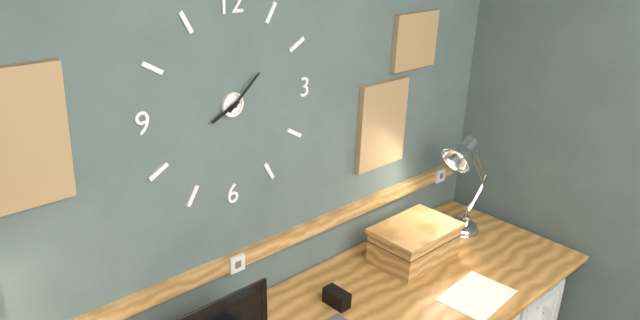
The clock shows 8:08
